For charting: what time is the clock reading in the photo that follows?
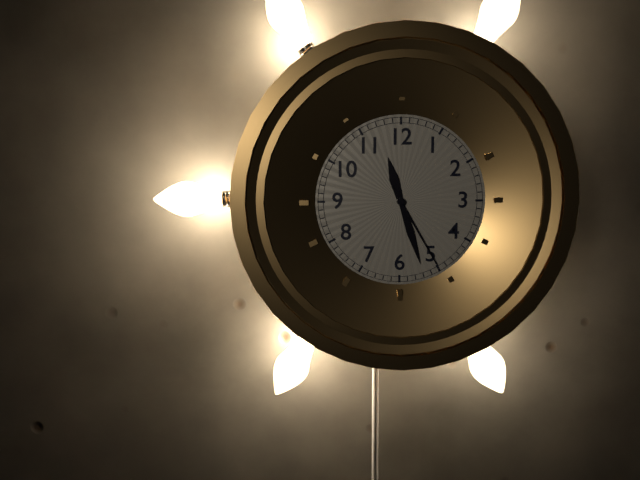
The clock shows 11:27:25
